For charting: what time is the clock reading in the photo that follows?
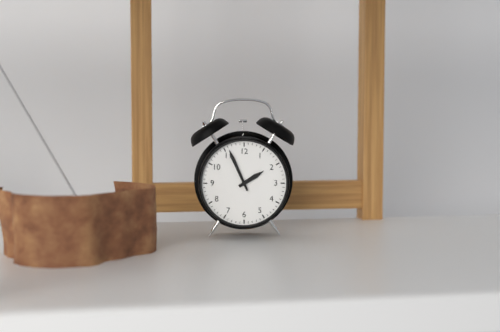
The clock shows 1:56
